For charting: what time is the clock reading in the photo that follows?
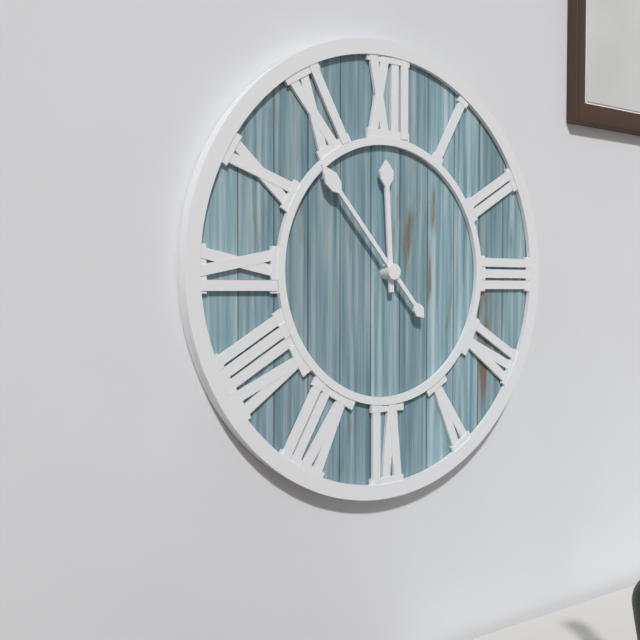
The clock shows 11:53
